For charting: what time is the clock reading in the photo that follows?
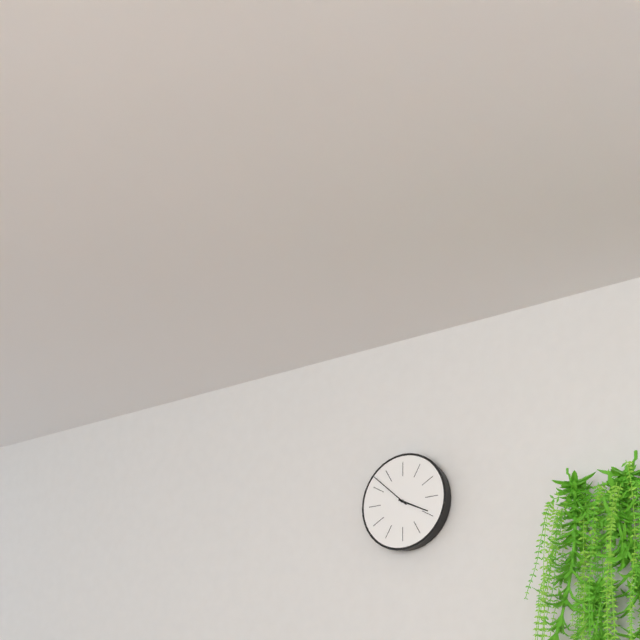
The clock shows 3:52
